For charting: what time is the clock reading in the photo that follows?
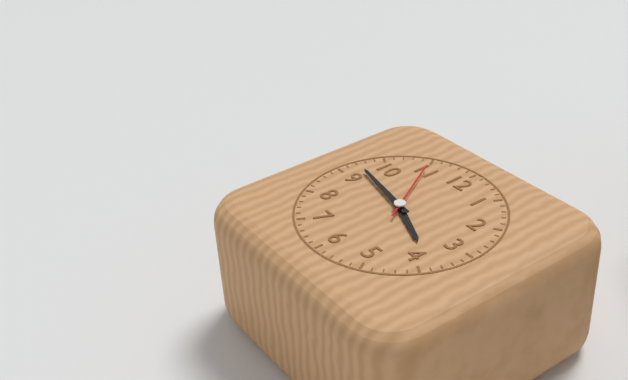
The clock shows 3:47:55
